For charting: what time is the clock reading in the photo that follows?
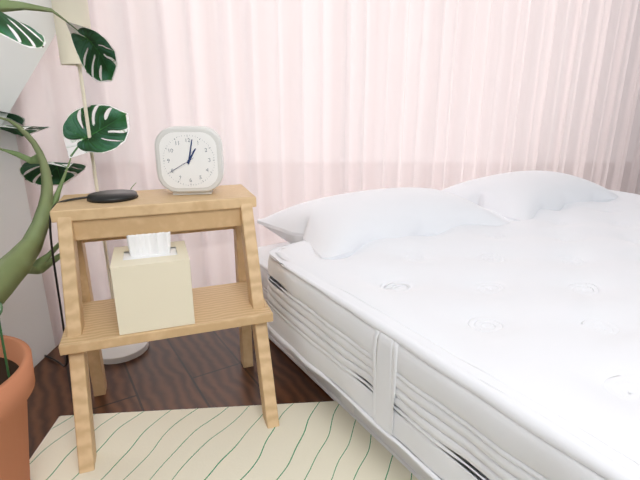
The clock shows 1:02
